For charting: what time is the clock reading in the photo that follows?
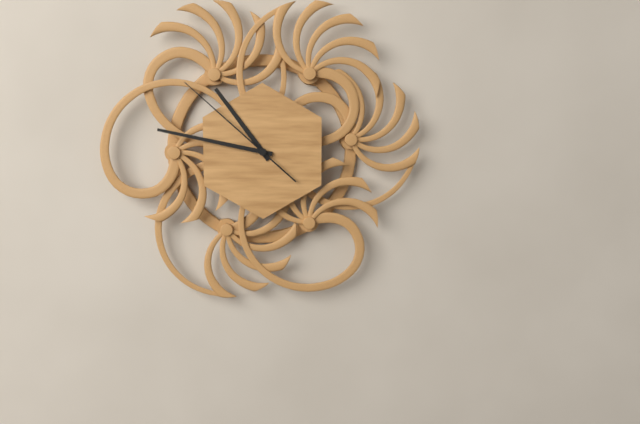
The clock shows 10:47:52
